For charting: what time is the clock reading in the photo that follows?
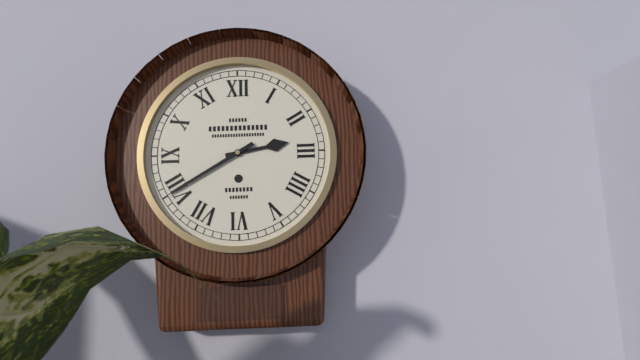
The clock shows 2:40
